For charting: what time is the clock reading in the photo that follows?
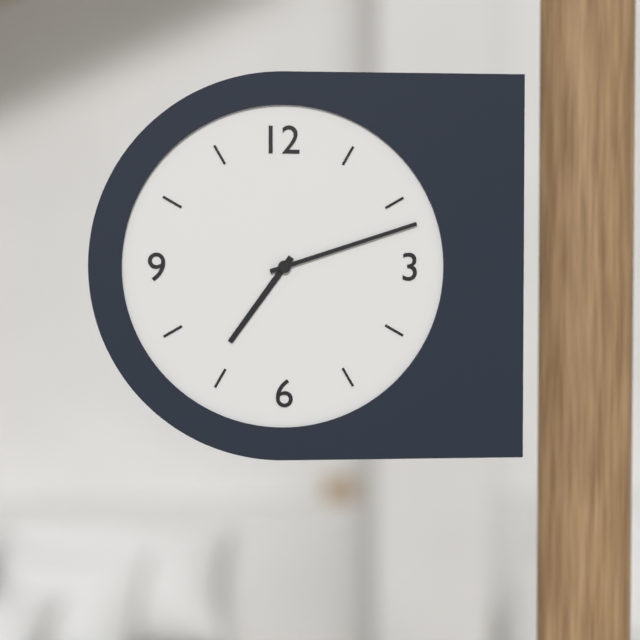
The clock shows 7:12
